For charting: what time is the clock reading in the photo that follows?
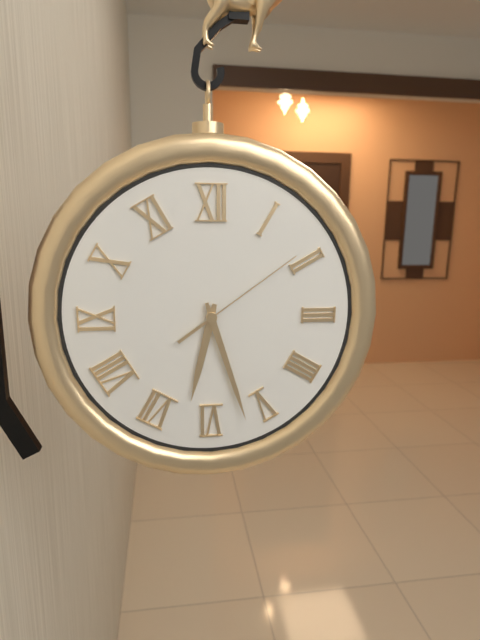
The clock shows 6:27:09
